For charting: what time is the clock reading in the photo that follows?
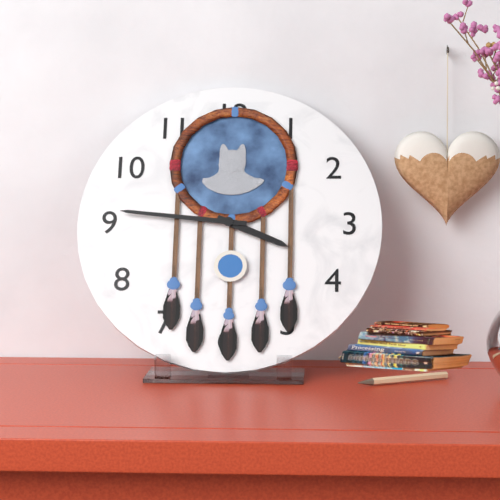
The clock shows 3:46
